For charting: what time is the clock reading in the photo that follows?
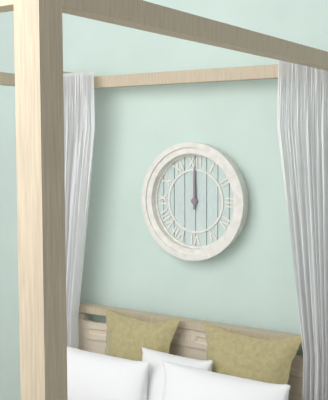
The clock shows 12:00
